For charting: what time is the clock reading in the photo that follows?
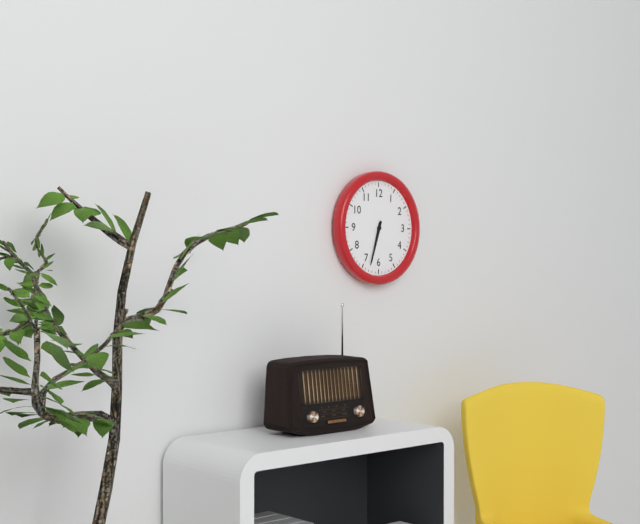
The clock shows 6:33
